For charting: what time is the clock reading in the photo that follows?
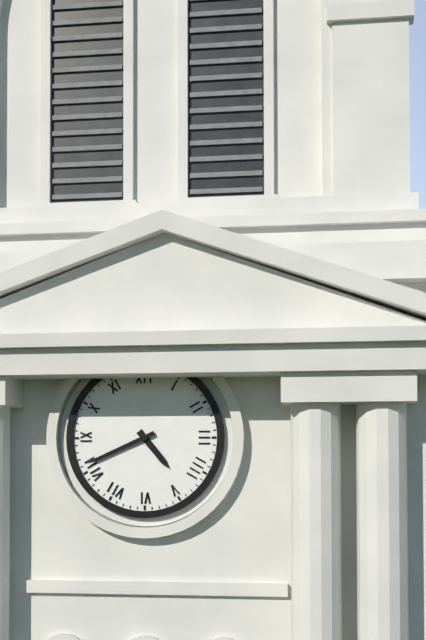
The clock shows 4:41
